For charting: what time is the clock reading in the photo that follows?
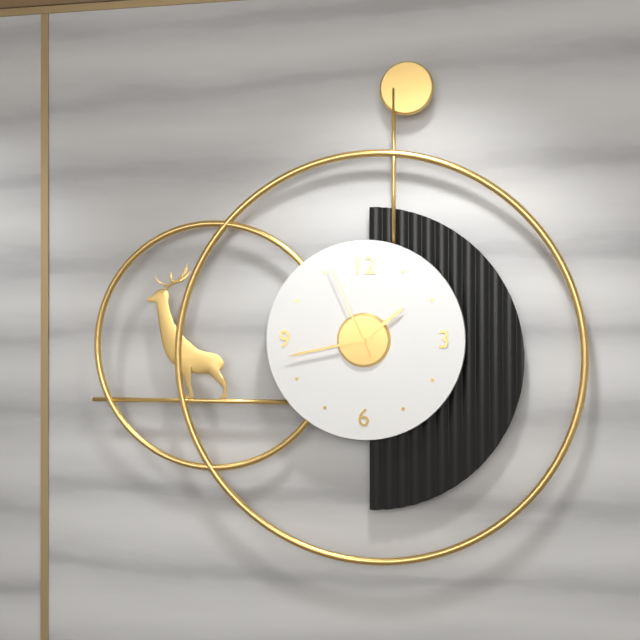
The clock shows 1:43:56
